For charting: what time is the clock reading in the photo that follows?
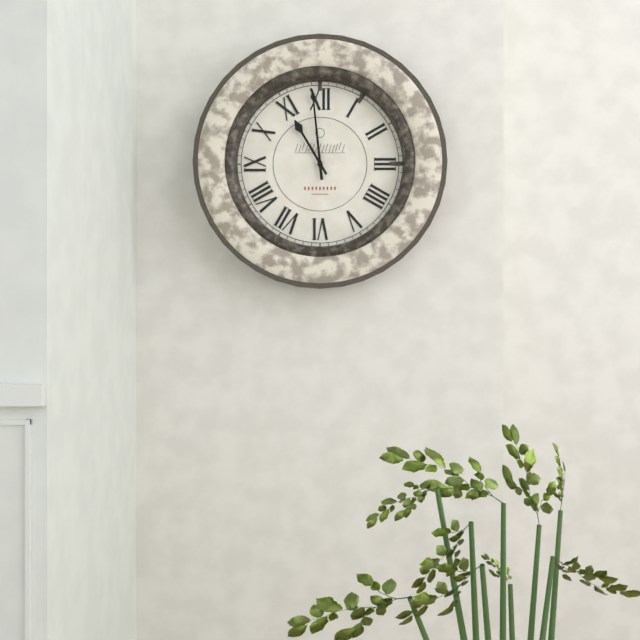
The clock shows 10:59
